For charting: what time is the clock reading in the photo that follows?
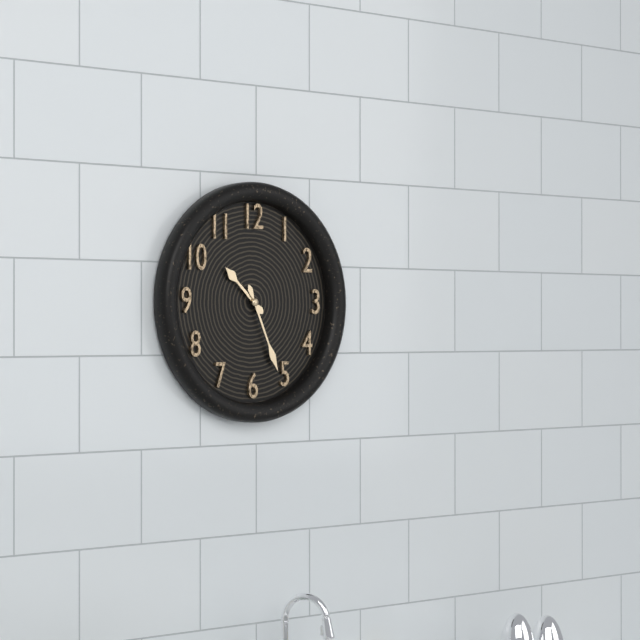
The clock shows 10:26
